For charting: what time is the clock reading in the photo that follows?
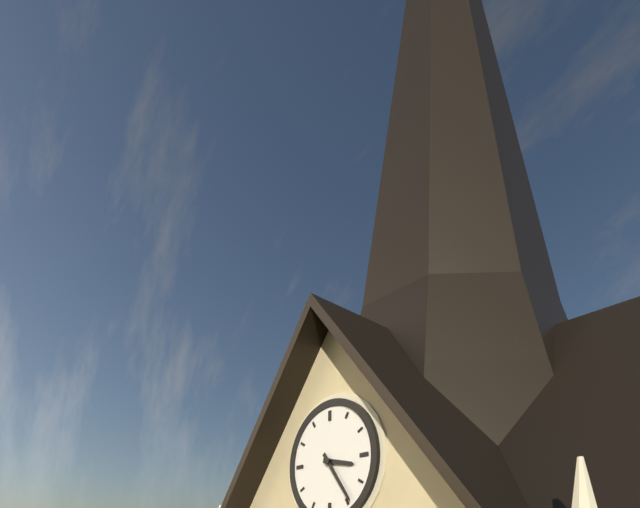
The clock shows 3:24
